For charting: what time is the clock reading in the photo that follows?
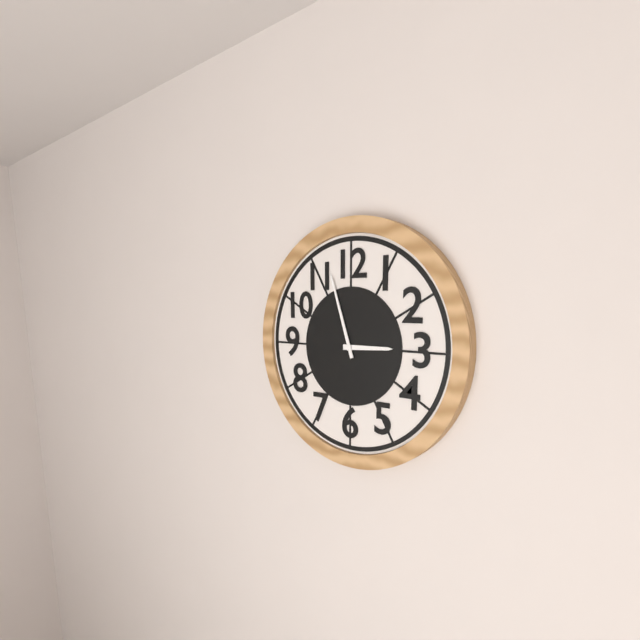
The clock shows 2:57
